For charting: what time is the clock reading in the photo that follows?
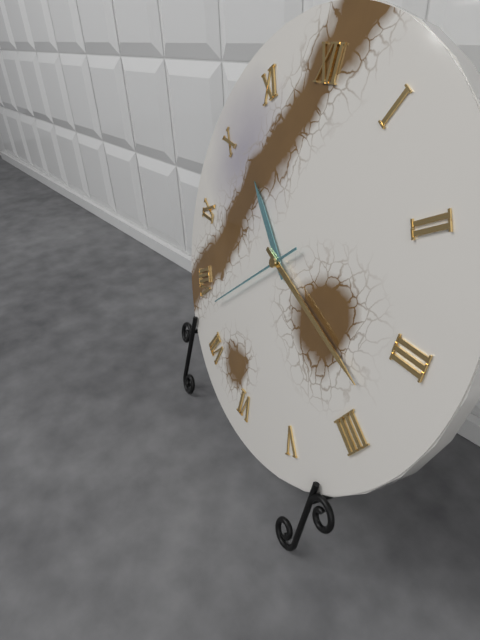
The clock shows 10:18:38
